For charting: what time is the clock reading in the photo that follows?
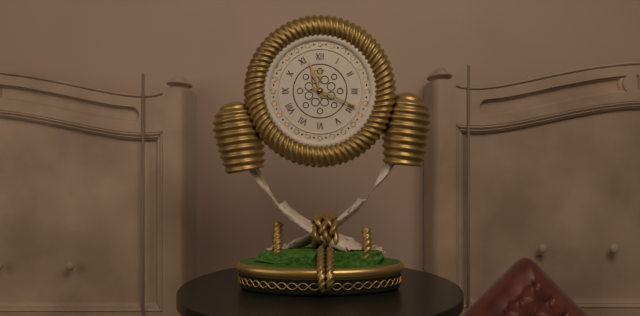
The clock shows 11:19
